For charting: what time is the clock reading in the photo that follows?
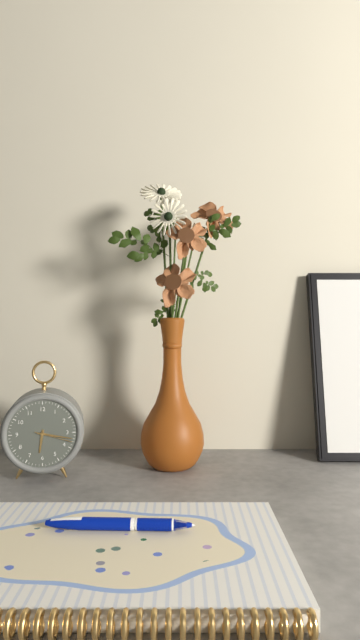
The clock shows 6:17
